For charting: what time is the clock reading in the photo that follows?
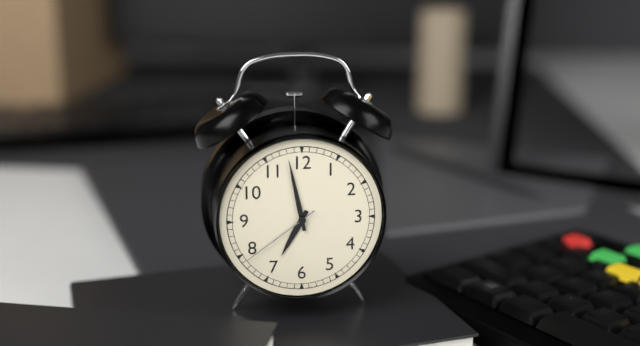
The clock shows 6:58:39
